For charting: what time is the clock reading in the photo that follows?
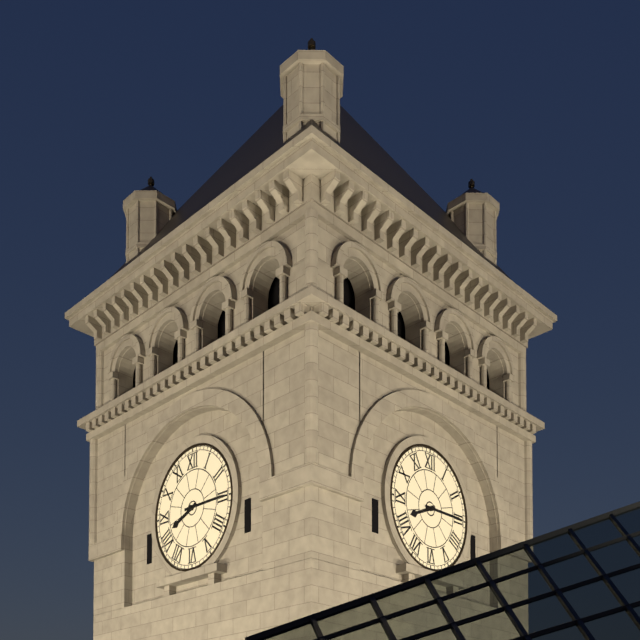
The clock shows 8:15
